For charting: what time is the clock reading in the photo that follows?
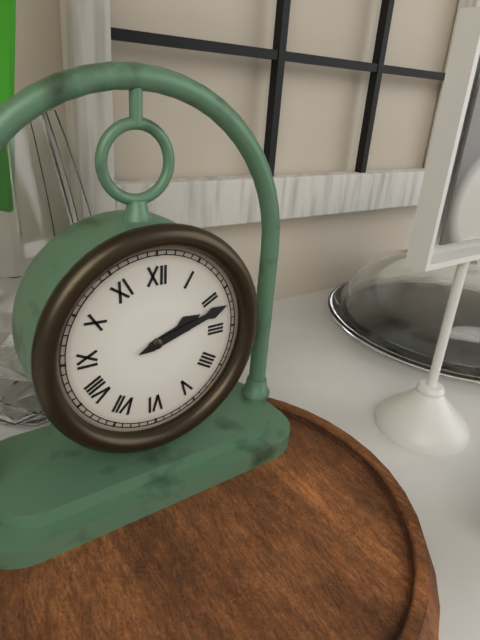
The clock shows 2:12
